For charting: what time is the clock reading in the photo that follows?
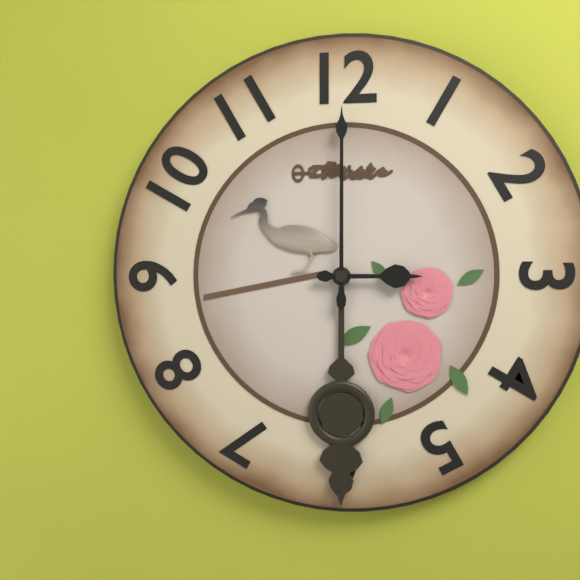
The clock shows 3:00
